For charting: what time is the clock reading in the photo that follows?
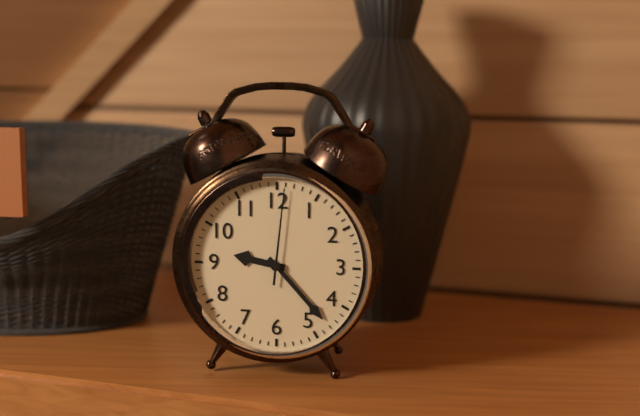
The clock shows 9:23:01
